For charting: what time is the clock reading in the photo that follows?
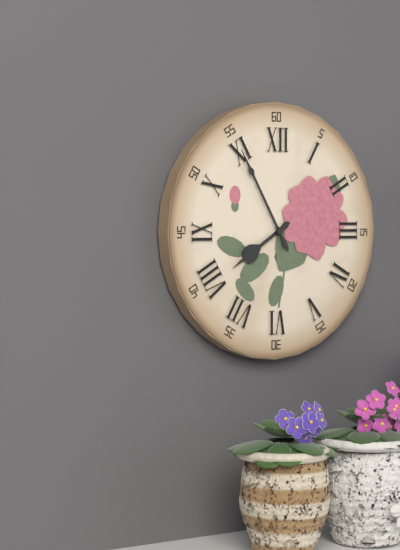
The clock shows 7:55
